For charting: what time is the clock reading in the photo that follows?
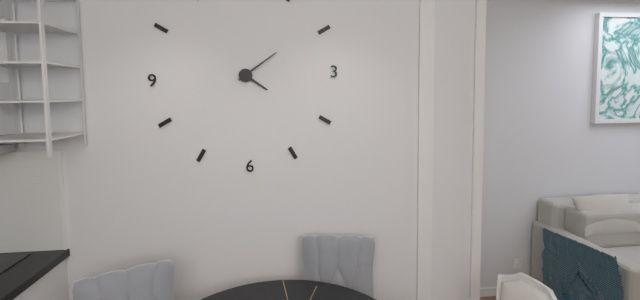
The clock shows 4:09
